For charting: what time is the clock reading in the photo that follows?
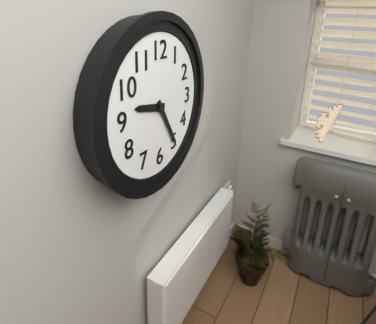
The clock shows 9:25
